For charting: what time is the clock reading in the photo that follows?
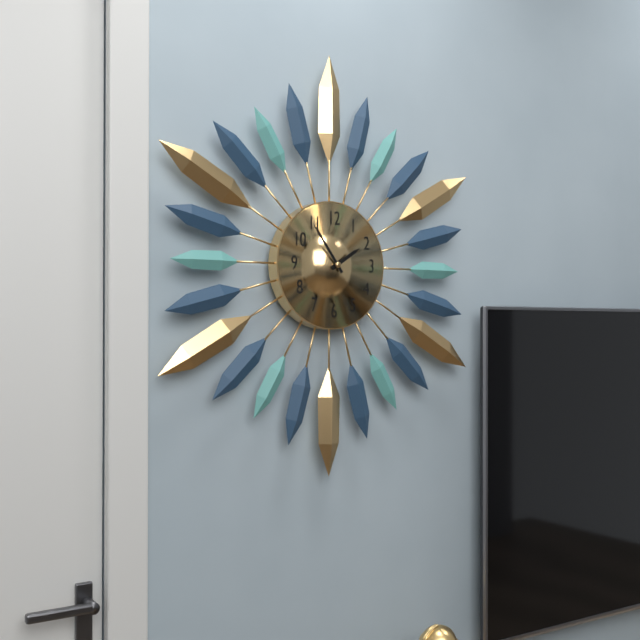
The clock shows 1:54
